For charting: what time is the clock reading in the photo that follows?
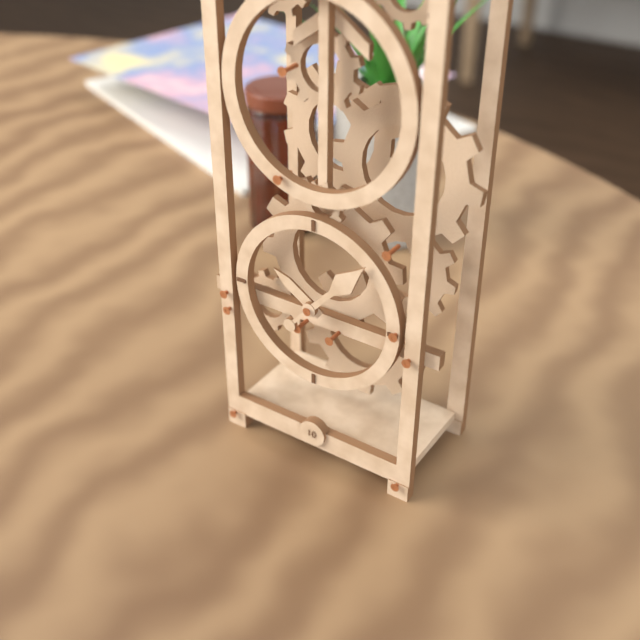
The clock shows 10:07
